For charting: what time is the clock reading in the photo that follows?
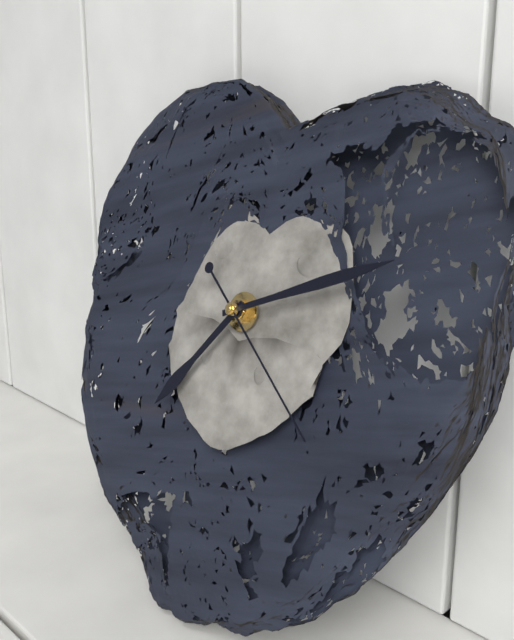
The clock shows 7:11:21
